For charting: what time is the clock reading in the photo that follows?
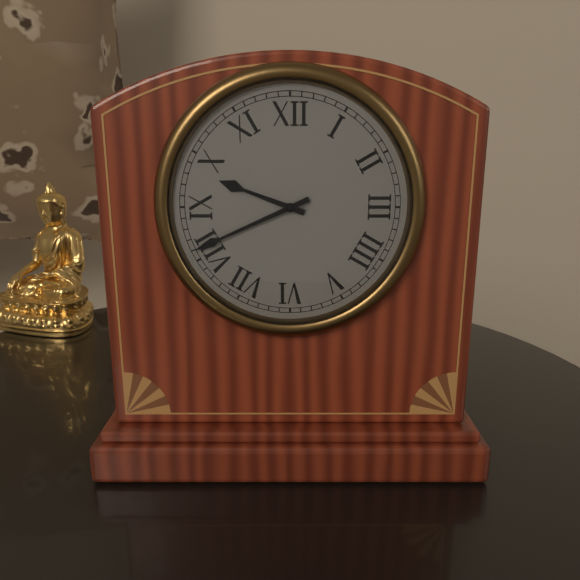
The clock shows 9:41
